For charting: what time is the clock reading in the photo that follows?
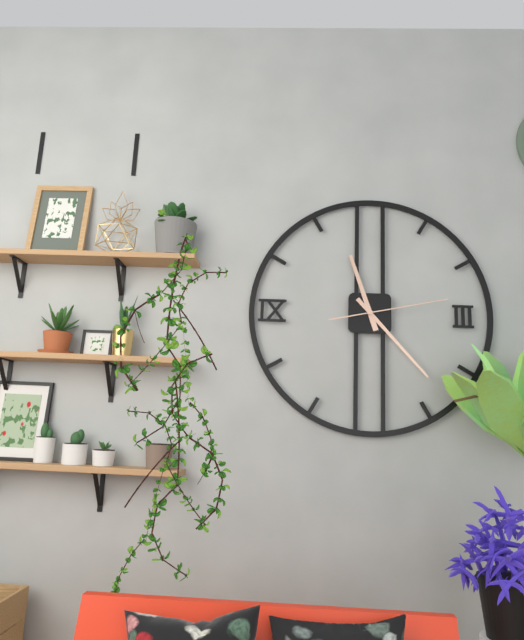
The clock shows 11:23:13
